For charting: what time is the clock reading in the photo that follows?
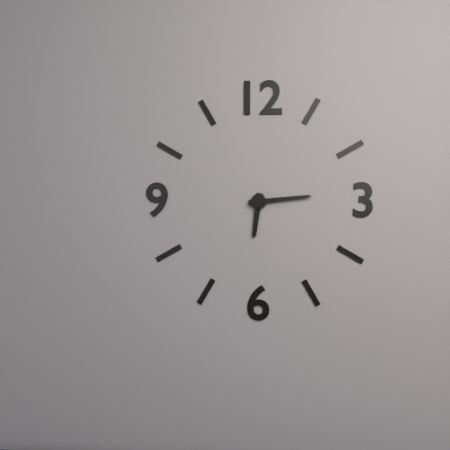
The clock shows 6:14
